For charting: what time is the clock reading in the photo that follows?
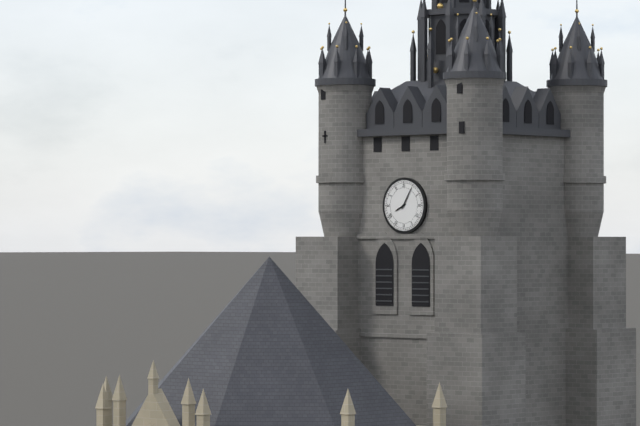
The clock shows 8:05
